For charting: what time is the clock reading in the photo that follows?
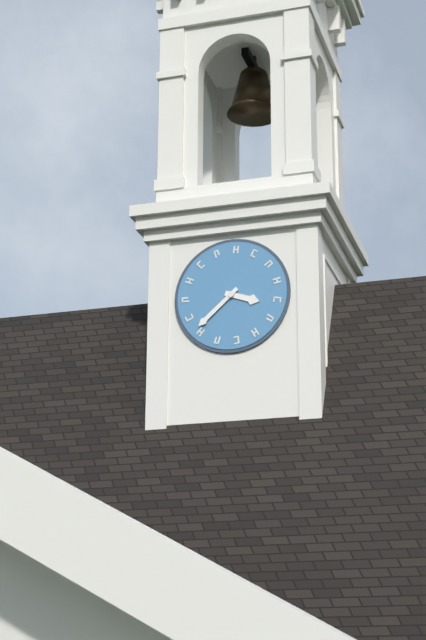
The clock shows 3:38
